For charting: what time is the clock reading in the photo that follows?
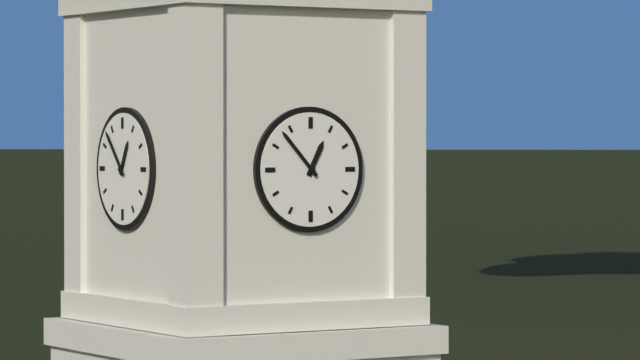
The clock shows 12:53
